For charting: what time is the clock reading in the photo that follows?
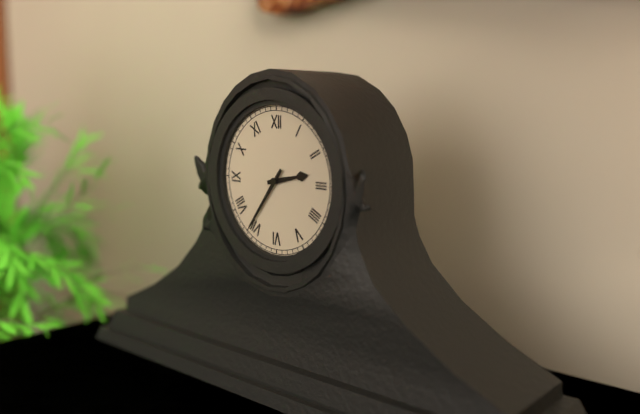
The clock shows 2:36
